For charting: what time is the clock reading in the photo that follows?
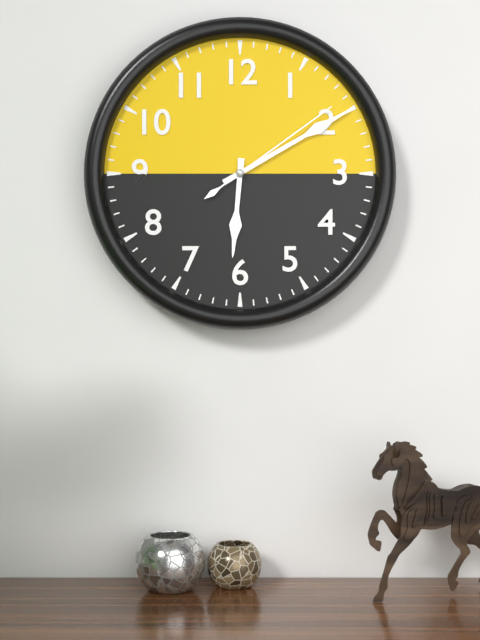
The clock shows 6:10:09
